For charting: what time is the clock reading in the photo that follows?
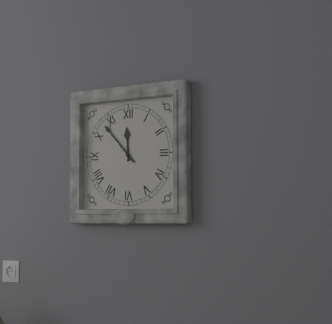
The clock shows 11:53
